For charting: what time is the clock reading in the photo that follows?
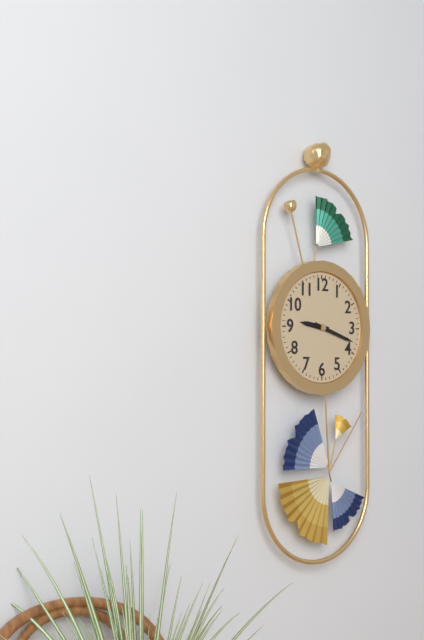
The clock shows 9:18
